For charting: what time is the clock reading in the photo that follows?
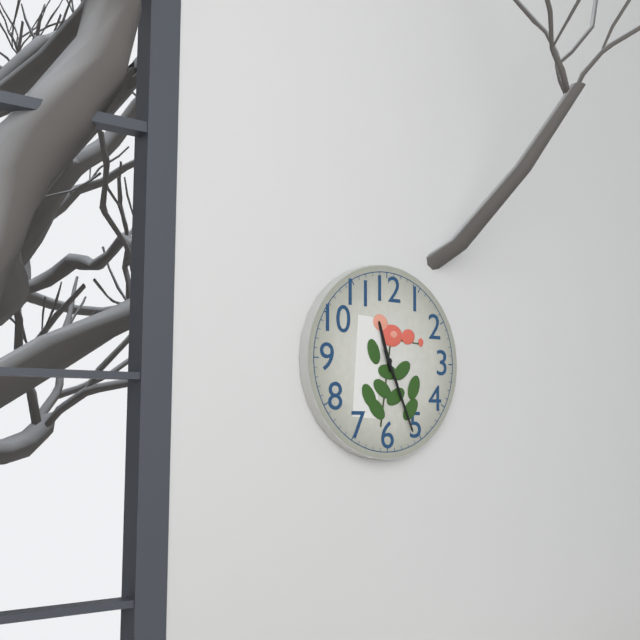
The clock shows 11:26
